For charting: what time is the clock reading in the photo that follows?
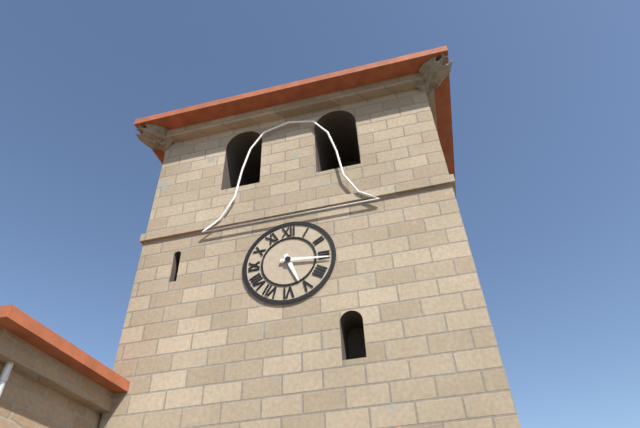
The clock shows 5:16
